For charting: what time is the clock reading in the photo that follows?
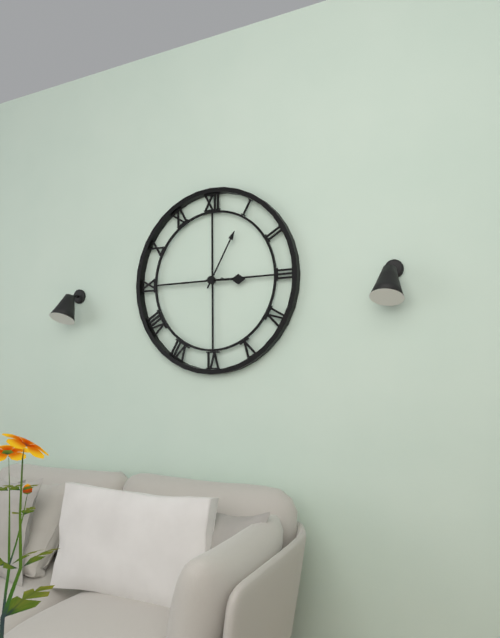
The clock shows 3:05:45
